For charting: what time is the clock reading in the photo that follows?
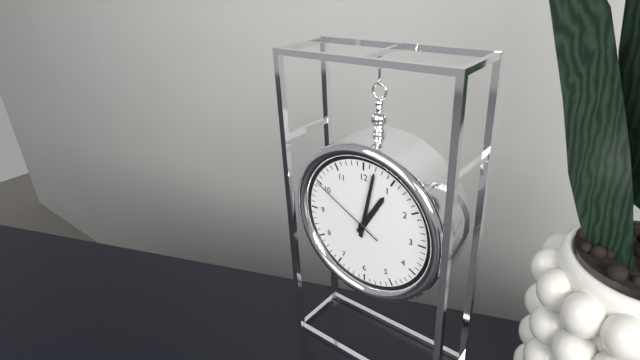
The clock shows 1:02:50
